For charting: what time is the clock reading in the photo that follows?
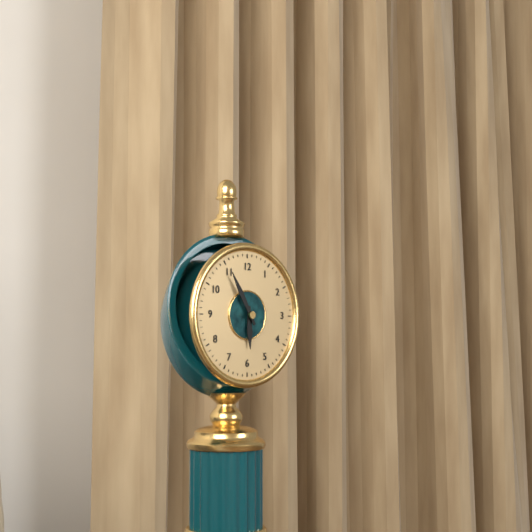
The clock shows 5:55
